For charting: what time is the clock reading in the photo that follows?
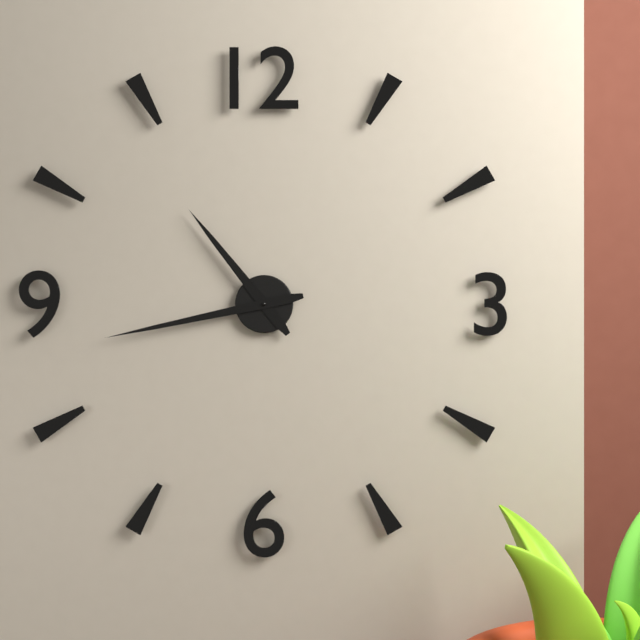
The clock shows 10:43
